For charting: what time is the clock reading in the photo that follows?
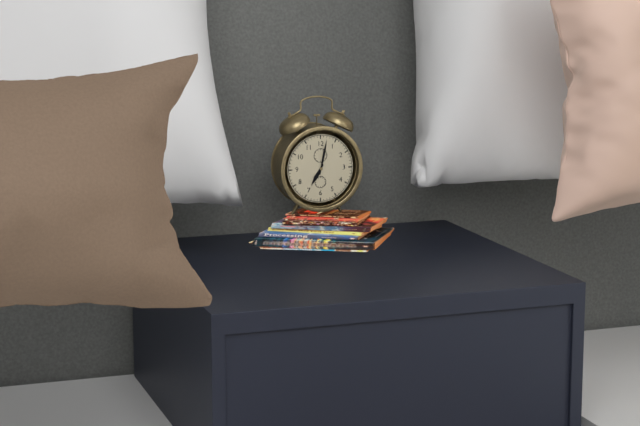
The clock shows 7:02
